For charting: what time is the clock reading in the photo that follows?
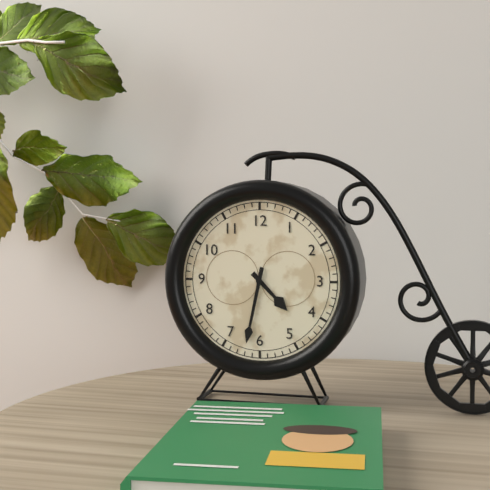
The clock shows 4:32
